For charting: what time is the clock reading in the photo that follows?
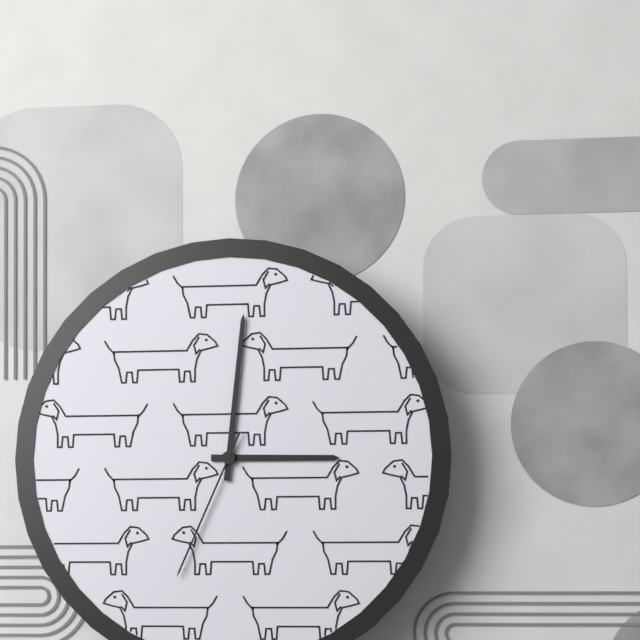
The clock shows 3:01:34
